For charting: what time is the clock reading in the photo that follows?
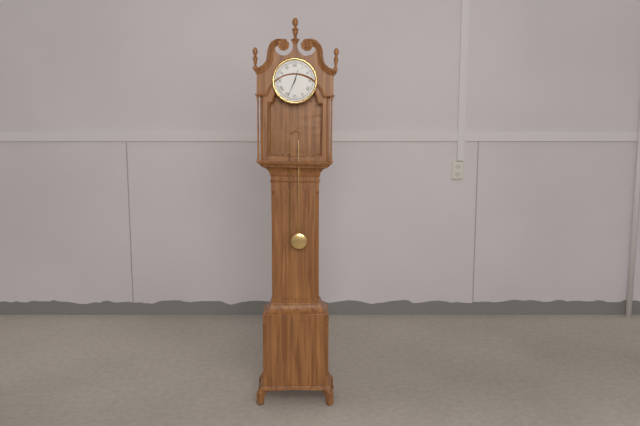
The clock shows 12:34
